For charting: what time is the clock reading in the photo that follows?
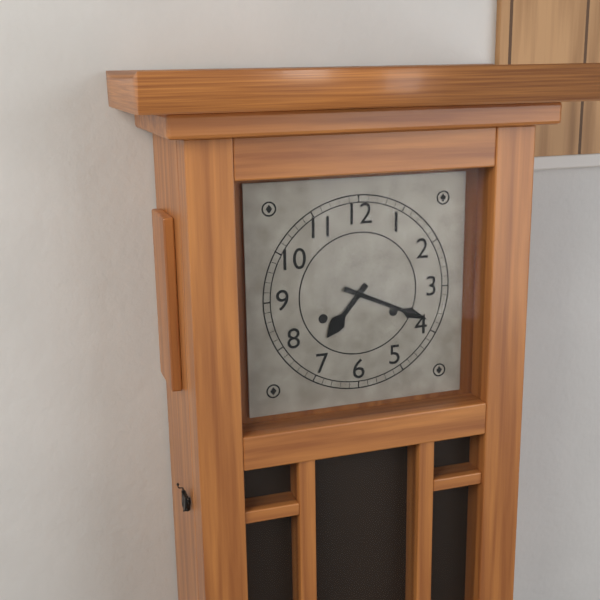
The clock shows 7:19
